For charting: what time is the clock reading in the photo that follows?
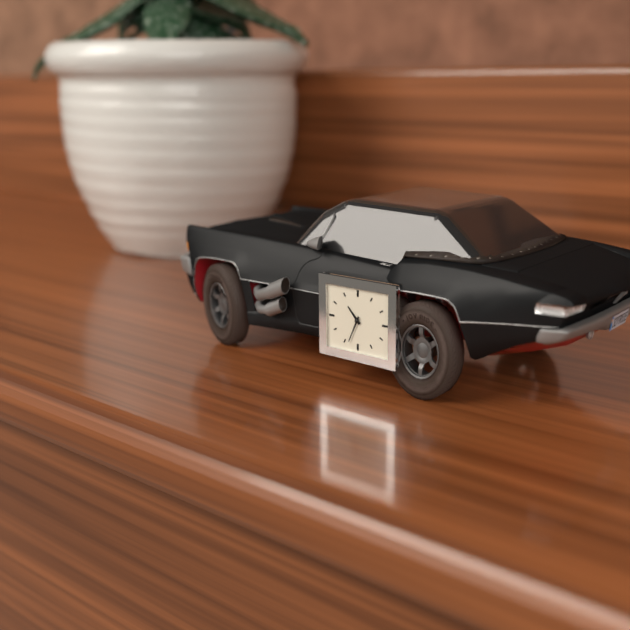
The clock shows 10:34
